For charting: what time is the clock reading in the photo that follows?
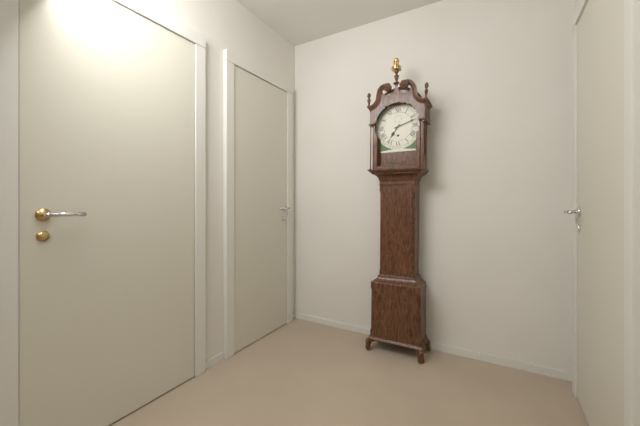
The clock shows 7:12
